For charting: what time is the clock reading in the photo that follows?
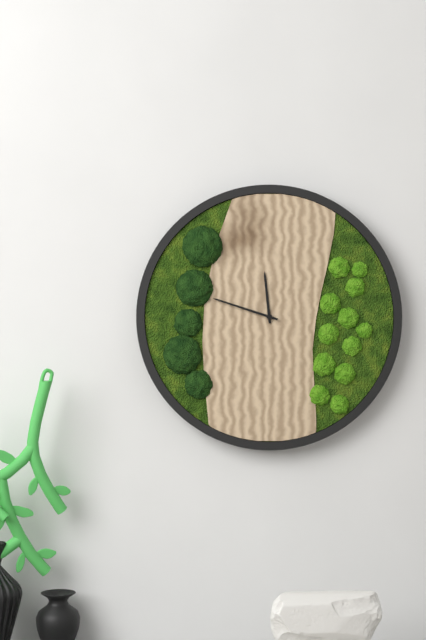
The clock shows 11:48
